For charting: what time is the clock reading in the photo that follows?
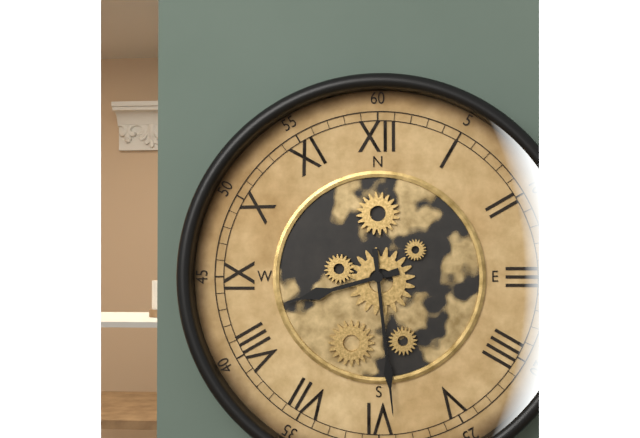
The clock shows 8:29
